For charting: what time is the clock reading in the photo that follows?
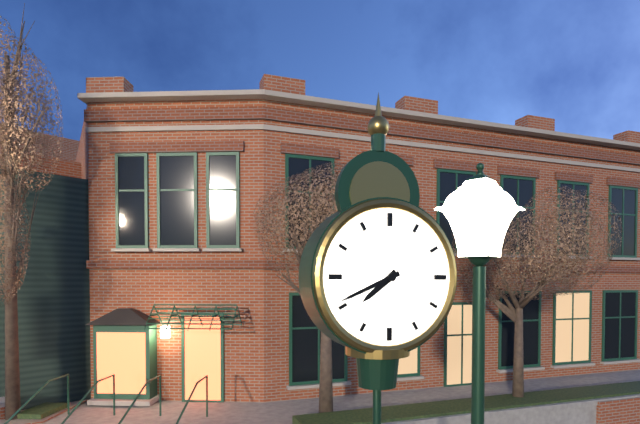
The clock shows 7:41
